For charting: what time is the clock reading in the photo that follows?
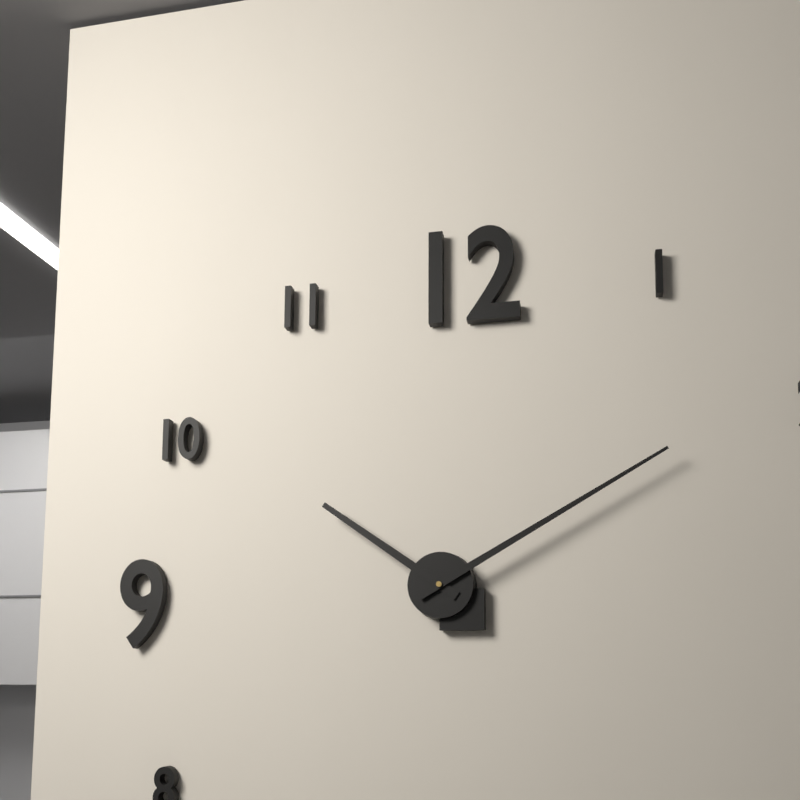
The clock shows 10:10
